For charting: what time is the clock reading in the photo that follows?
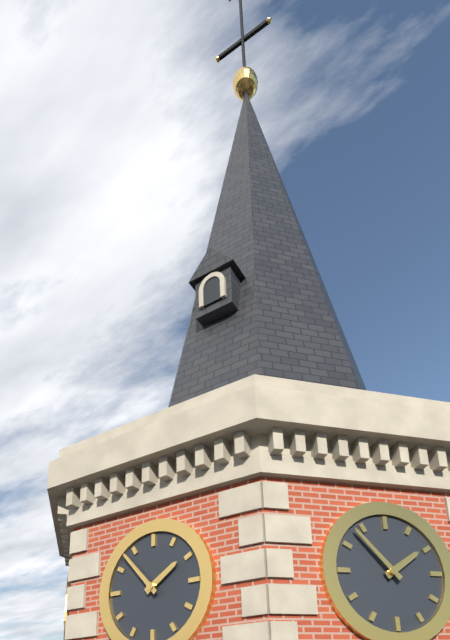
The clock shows 1:53
